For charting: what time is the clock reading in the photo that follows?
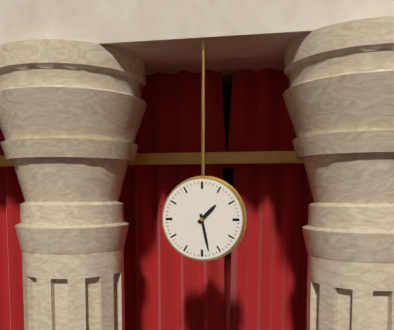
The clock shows 1:28
